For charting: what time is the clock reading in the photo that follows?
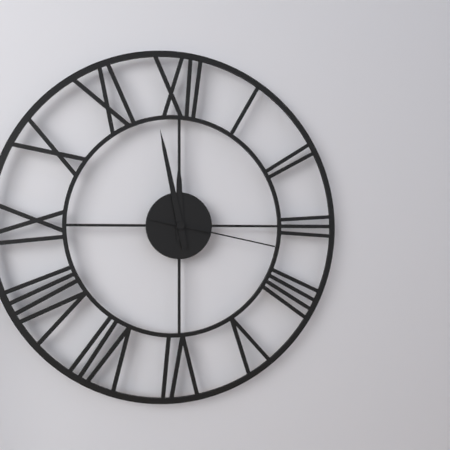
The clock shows 11:58:17
